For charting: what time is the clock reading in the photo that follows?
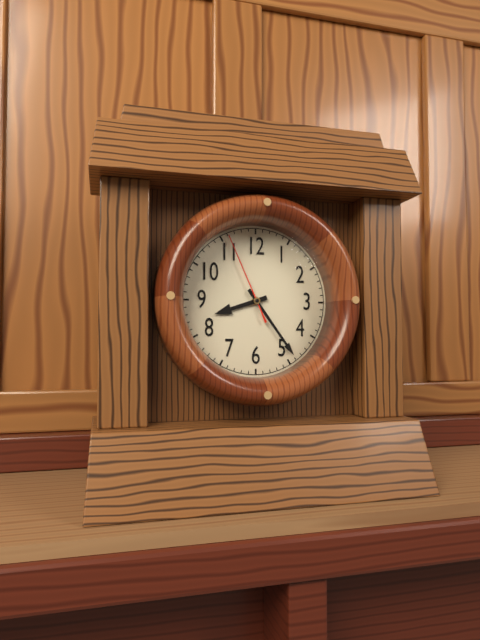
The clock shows 8:24:56
